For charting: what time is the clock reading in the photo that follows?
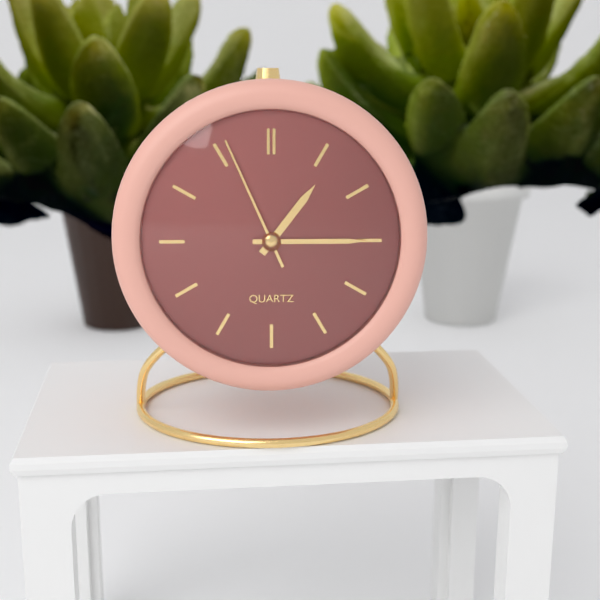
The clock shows 1:15:56
